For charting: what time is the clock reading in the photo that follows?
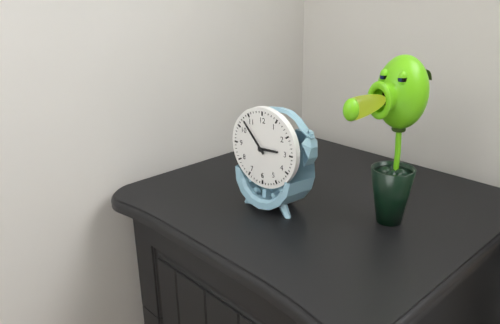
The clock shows 2:53
